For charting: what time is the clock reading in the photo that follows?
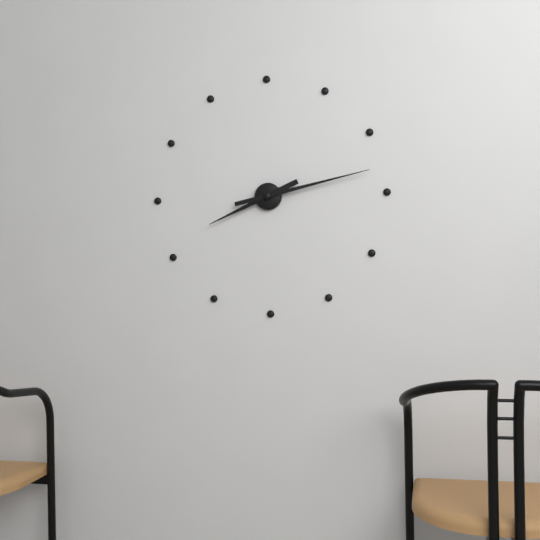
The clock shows 8:13
